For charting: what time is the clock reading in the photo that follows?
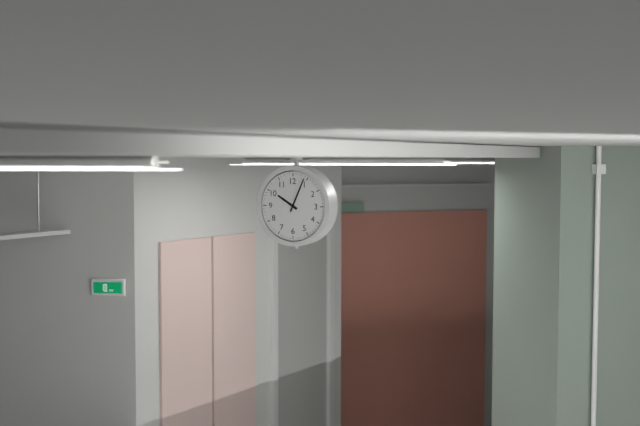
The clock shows 10:04
